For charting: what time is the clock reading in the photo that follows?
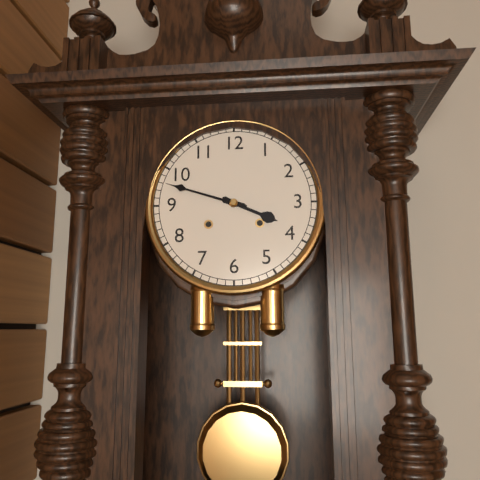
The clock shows 3:48
